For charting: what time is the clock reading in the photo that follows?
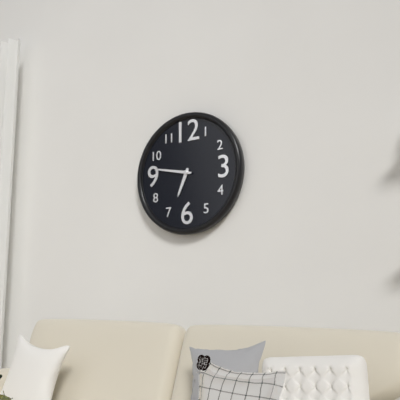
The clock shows 6:47
